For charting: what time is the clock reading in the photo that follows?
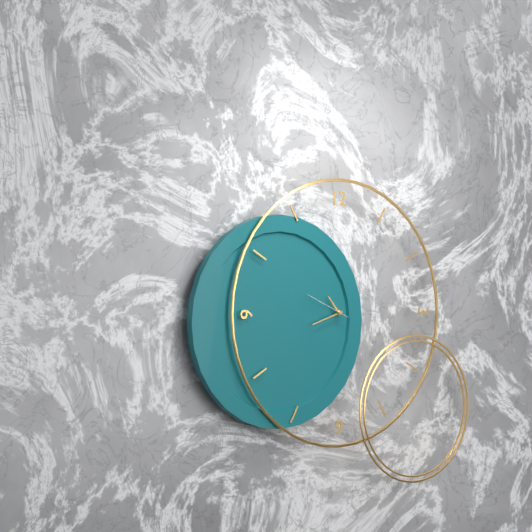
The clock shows 10:42
